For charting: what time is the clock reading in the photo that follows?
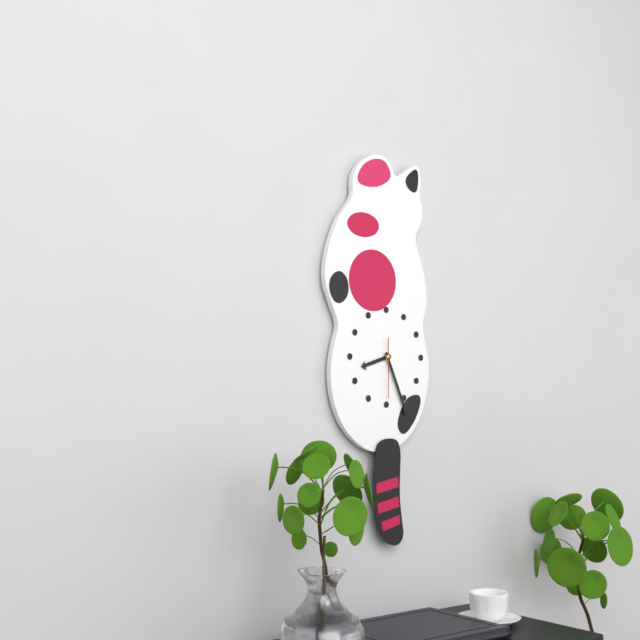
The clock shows 8:26:30
